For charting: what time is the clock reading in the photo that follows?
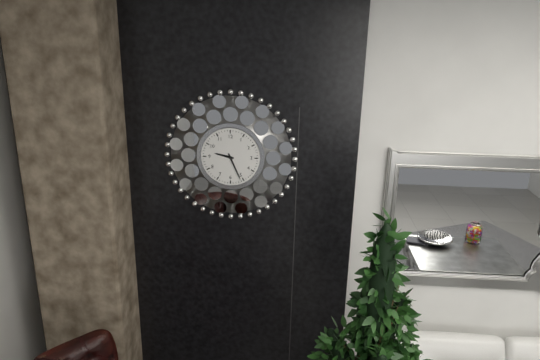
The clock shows 9:26
